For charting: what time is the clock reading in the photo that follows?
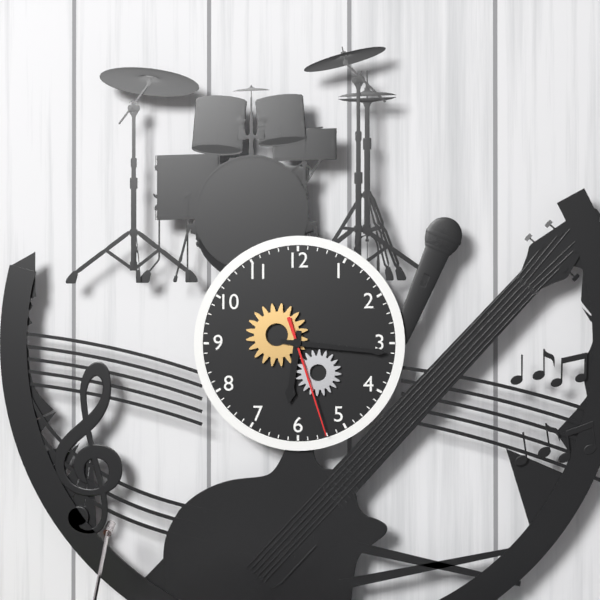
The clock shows 6:16:27
